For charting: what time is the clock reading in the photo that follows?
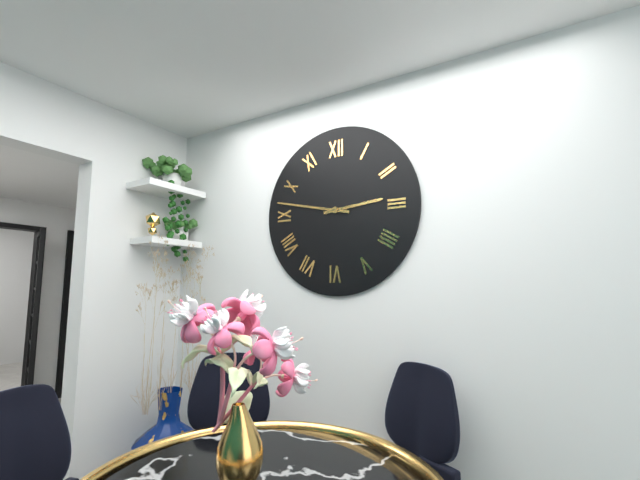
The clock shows 2:47
